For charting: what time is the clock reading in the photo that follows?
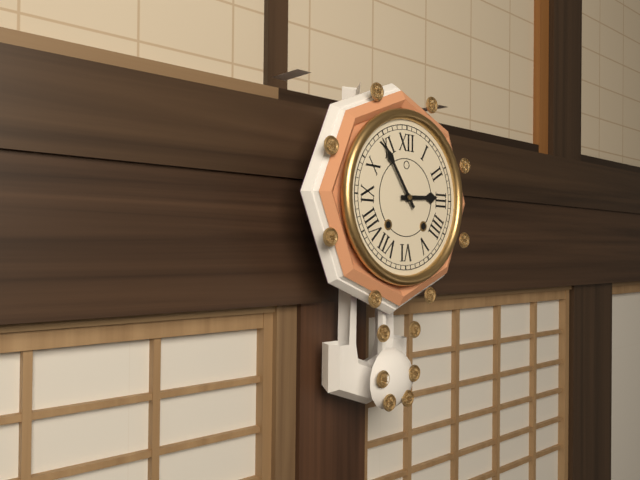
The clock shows 2:54
